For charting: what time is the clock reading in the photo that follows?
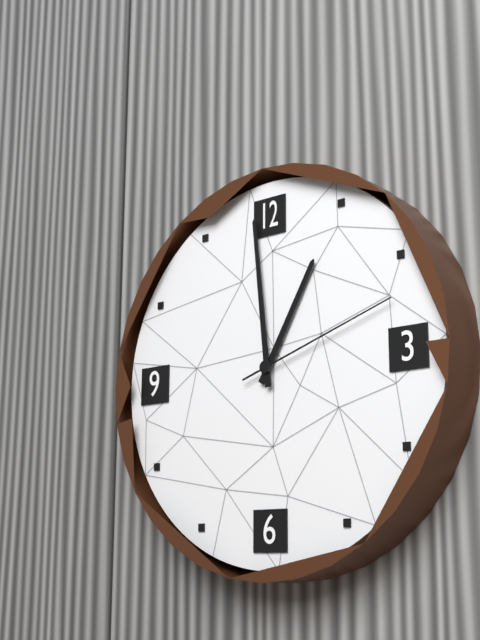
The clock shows 12:59:12
